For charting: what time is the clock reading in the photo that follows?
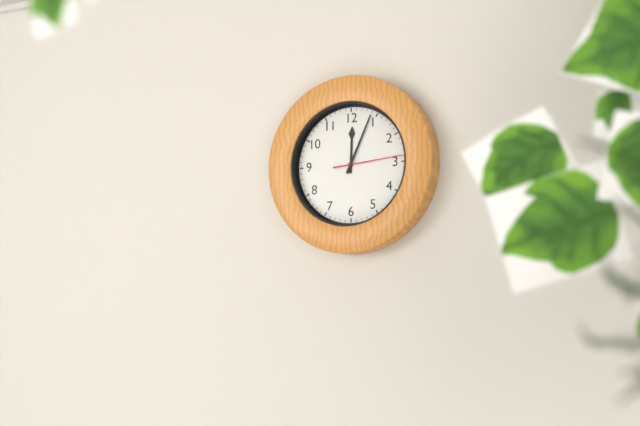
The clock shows 12:04:14
